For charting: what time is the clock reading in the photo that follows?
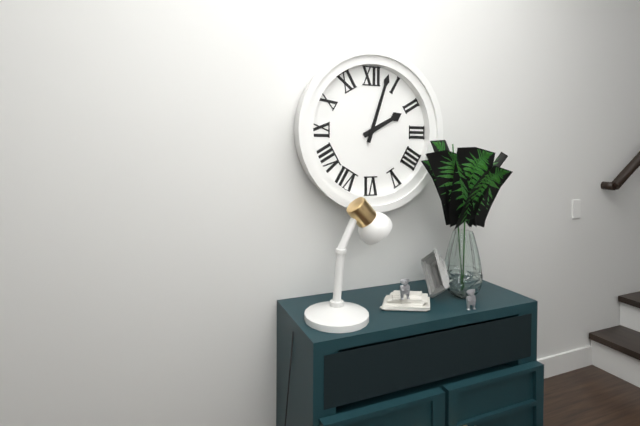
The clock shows 2:03
